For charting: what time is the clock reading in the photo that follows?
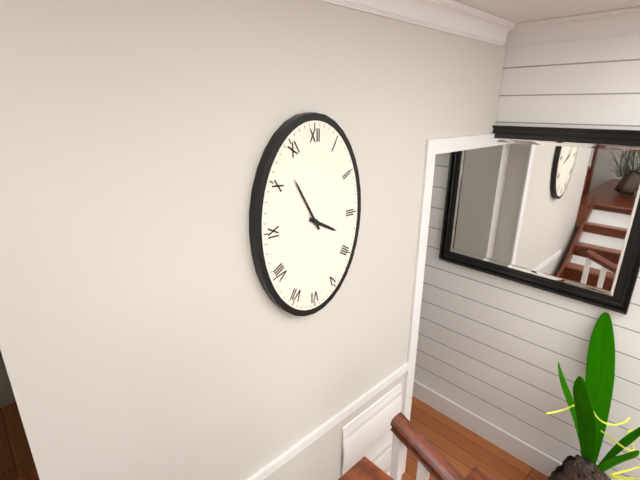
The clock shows 3:55
